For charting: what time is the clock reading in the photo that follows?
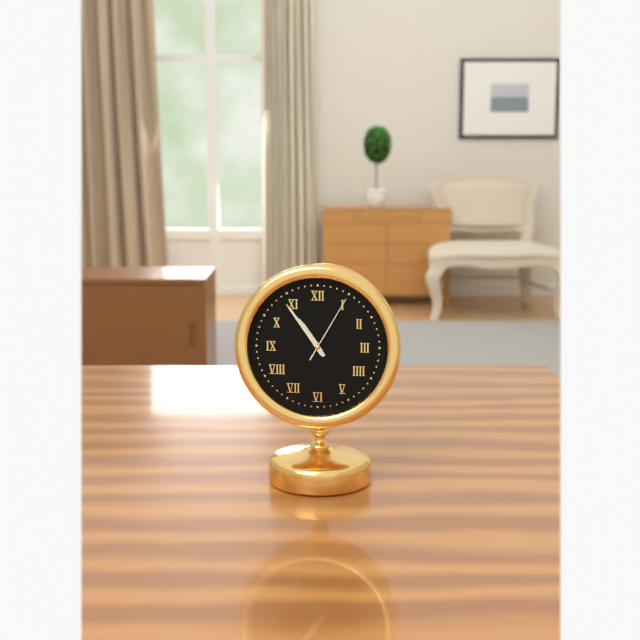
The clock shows 10:54:05
